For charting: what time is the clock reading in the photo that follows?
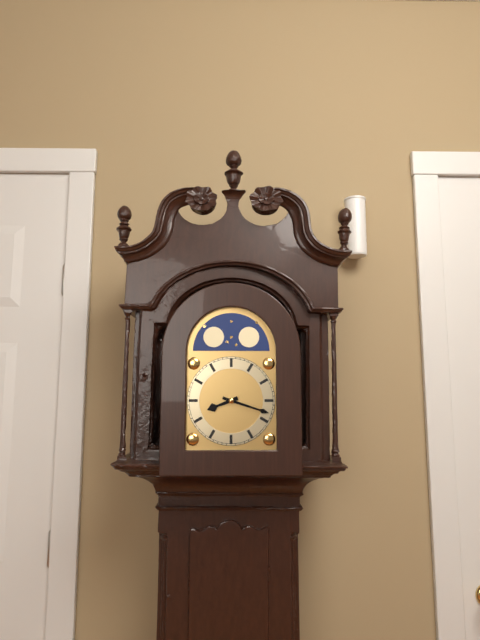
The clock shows 8:18
